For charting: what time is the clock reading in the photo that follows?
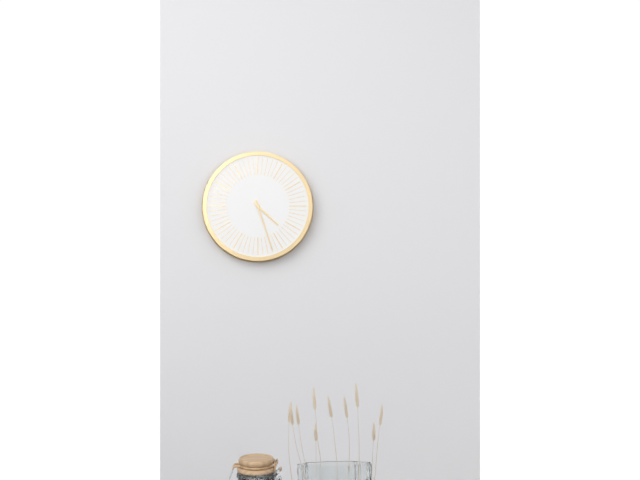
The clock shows 4:27
